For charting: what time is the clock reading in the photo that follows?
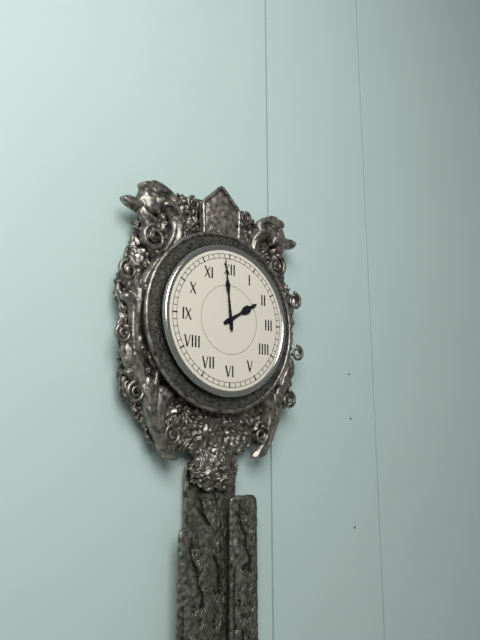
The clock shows 1:59
